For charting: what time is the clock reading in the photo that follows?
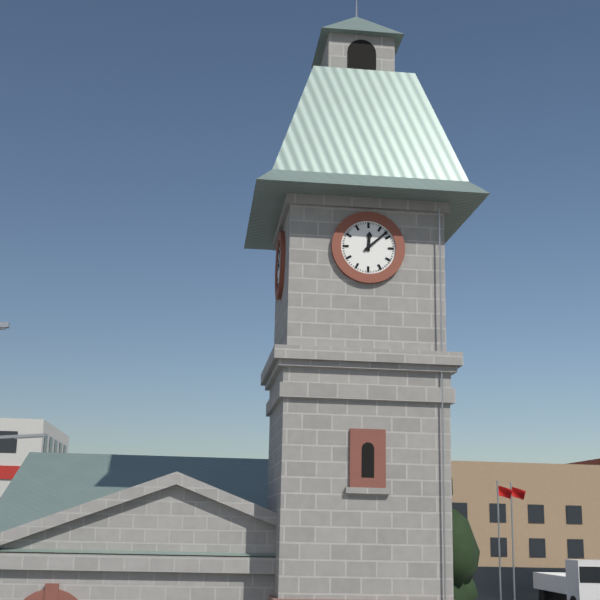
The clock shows 12:08
